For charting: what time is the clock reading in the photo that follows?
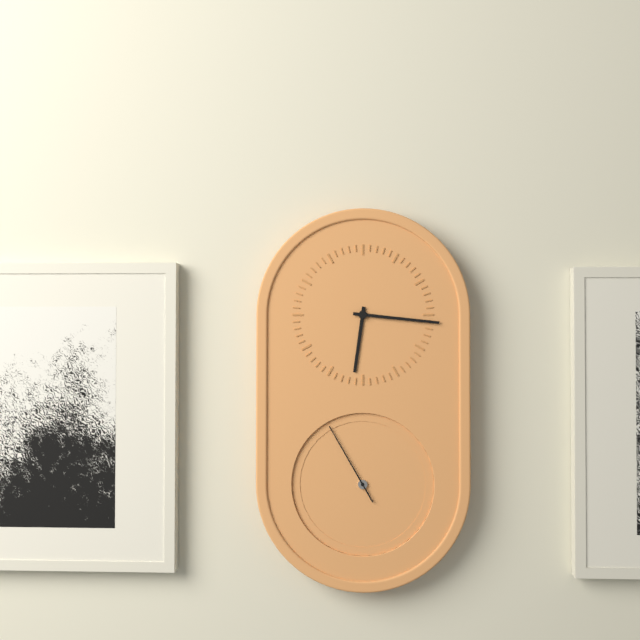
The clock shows 6:16:55
